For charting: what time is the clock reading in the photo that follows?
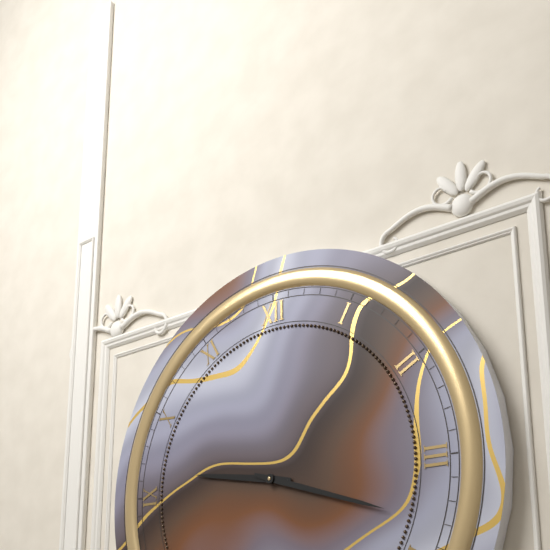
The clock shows 9:18
